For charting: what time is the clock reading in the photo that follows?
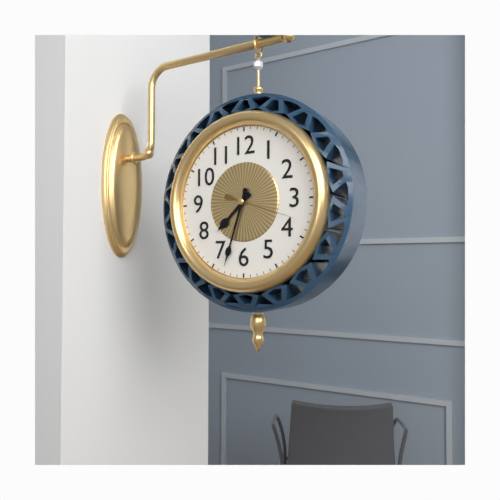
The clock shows 7:33:18
